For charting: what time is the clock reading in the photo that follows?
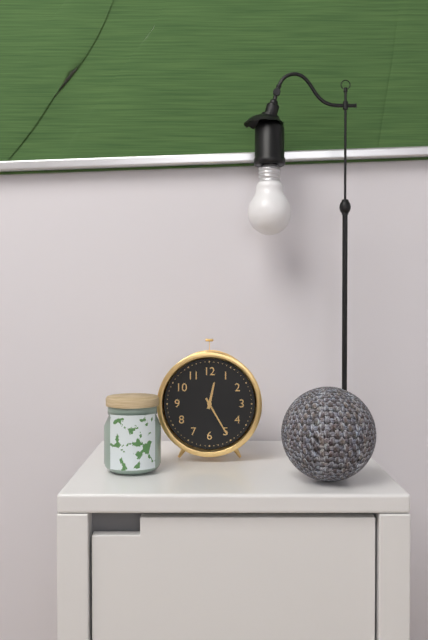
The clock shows 12:25
